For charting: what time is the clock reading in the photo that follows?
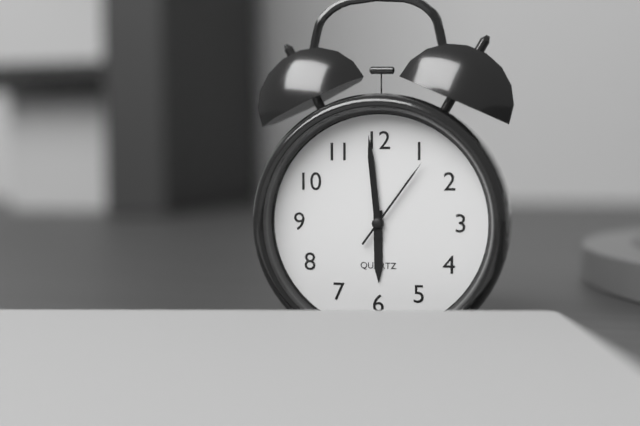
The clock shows 5:59:06
